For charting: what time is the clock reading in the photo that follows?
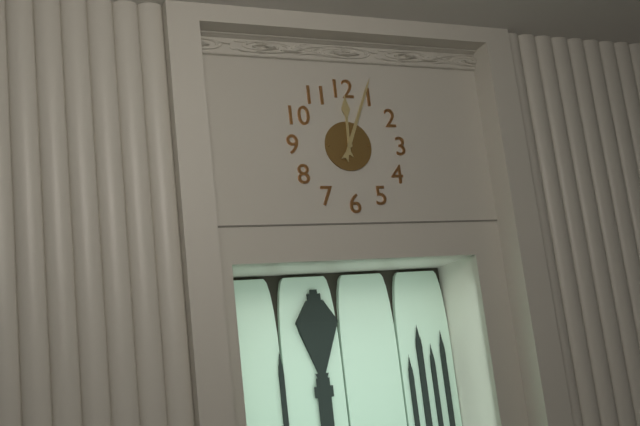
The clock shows 12:04
